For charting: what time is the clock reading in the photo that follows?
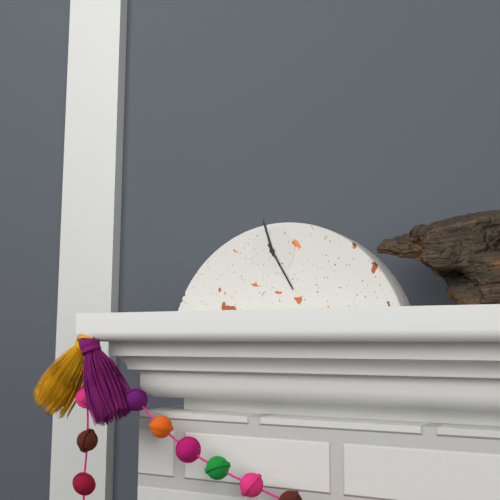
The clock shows 11:25
